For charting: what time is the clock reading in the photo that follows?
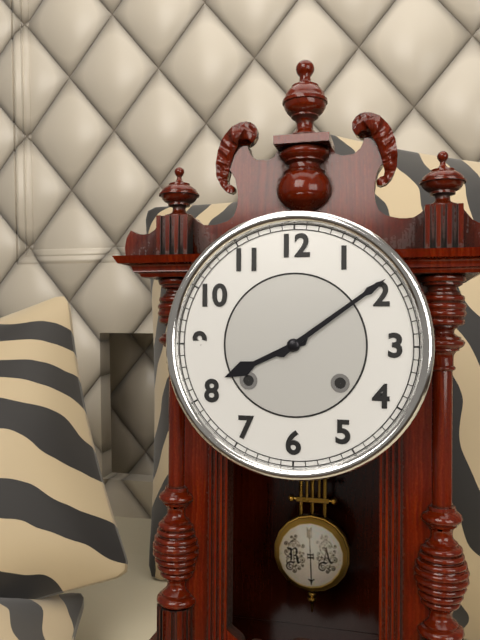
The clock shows 8:09
